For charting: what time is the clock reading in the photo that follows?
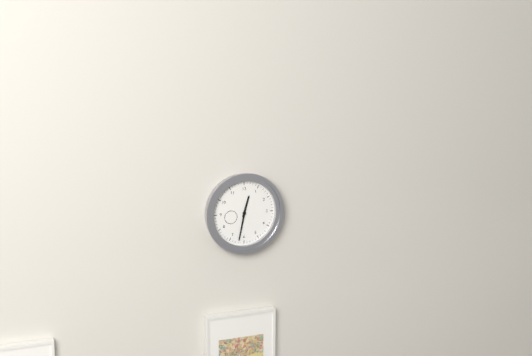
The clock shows 12:32
